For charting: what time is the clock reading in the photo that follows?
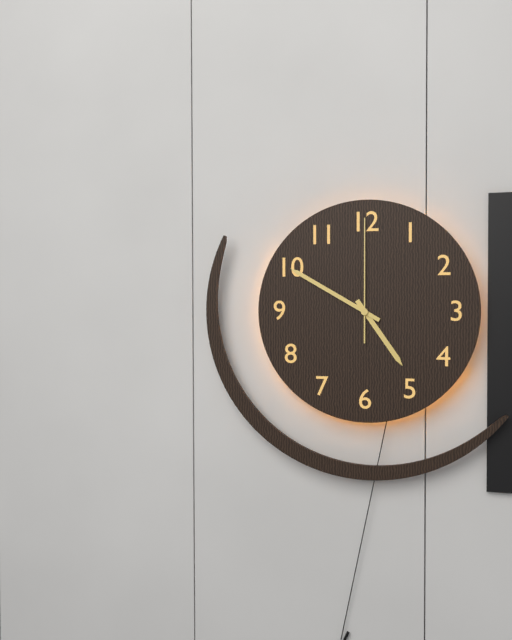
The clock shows 4:50:00
